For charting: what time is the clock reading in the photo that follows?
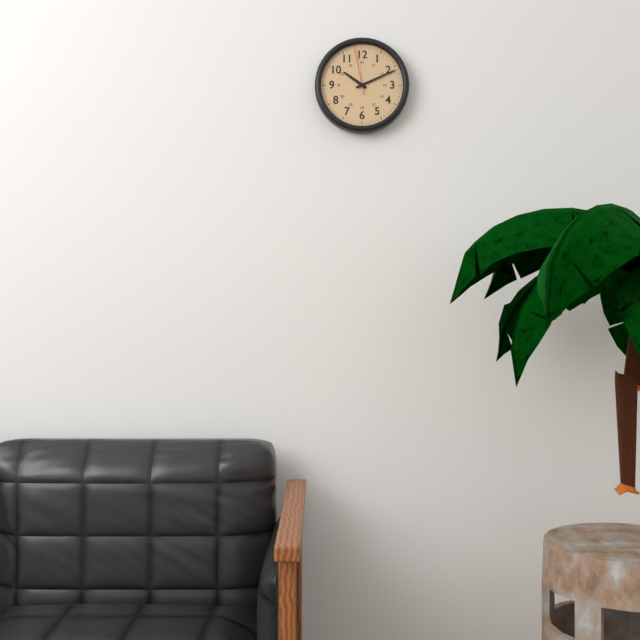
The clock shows 10:11
